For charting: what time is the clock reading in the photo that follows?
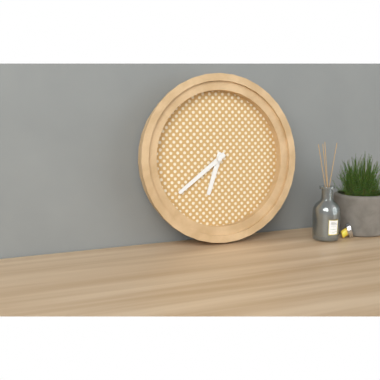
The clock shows 6:39
